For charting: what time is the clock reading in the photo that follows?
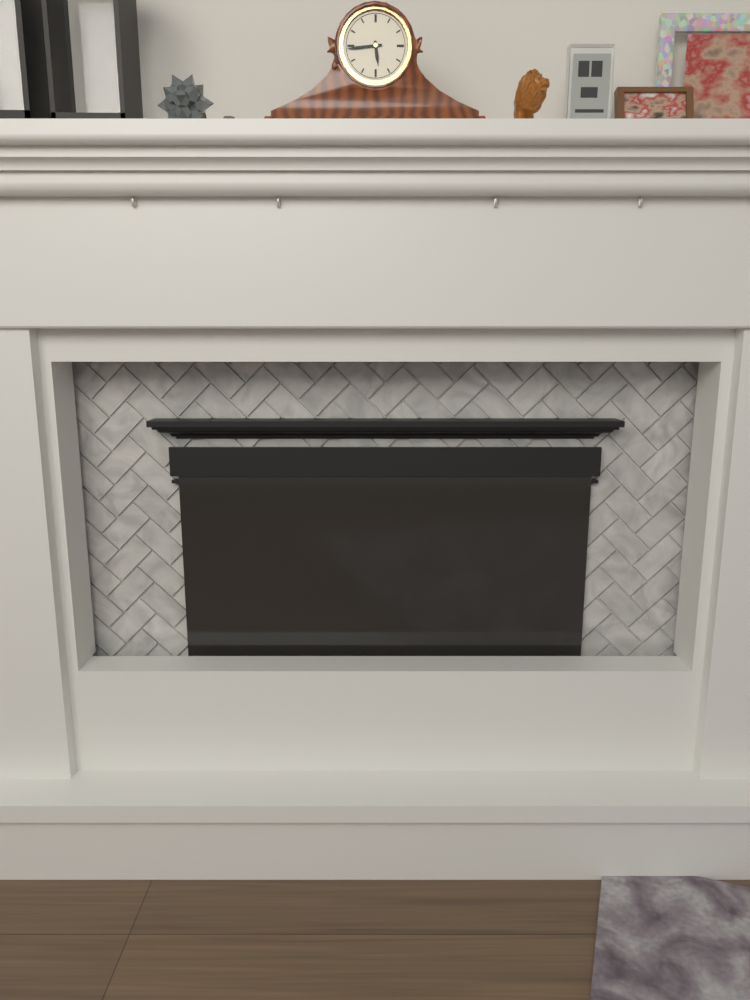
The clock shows 5:44
